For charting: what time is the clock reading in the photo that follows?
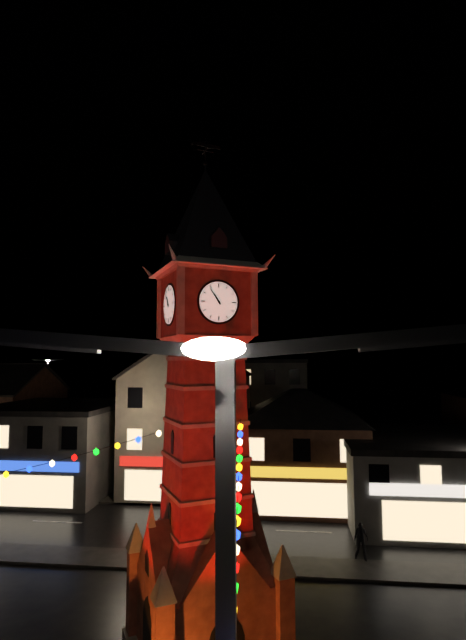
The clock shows 10:54
